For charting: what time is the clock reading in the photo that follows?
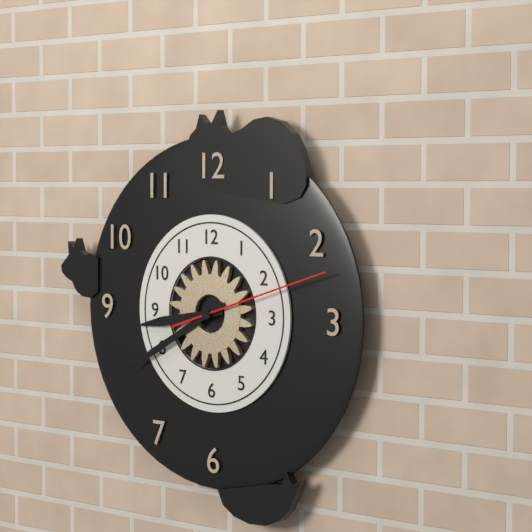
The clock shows 8:40:12
